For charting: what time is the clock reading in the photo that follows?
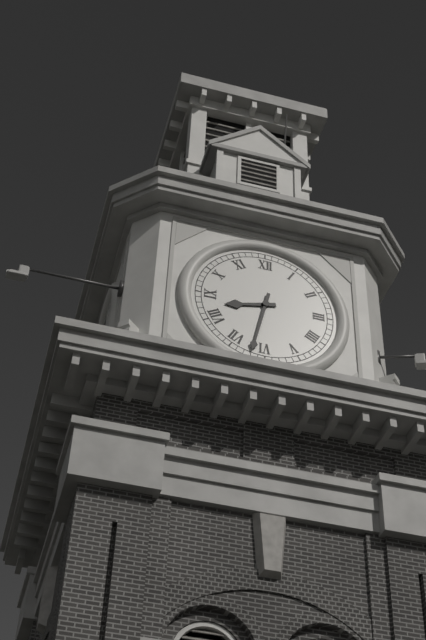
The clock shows 8:32
